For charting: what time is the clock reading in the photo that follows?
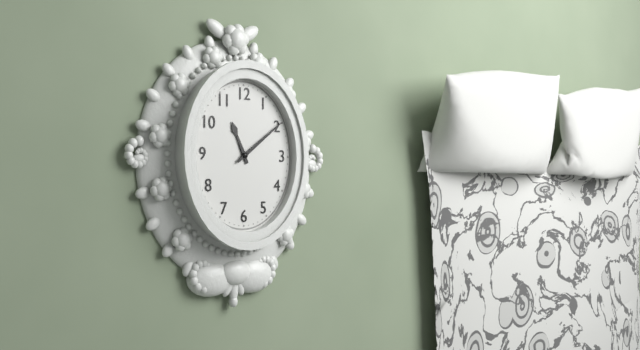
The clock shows 11:09
